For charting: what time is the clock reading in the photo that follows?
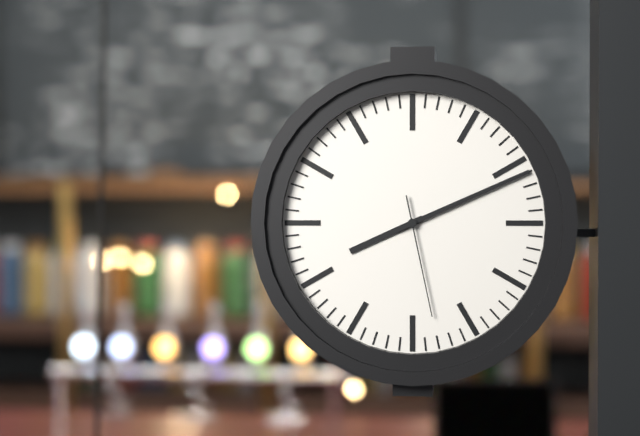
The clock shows 8:11:28
